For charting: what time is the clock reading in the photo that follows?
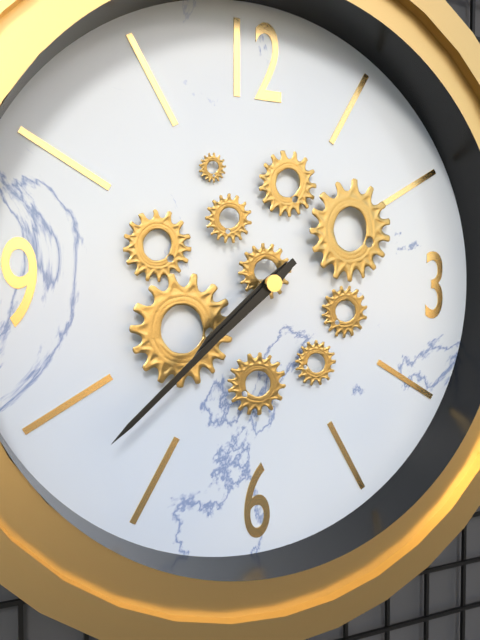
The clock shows 7:38
